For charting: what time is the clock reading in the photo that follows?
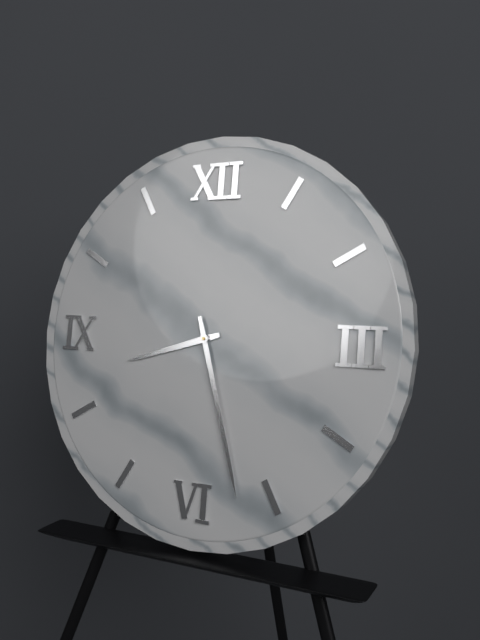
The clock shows 8:27
